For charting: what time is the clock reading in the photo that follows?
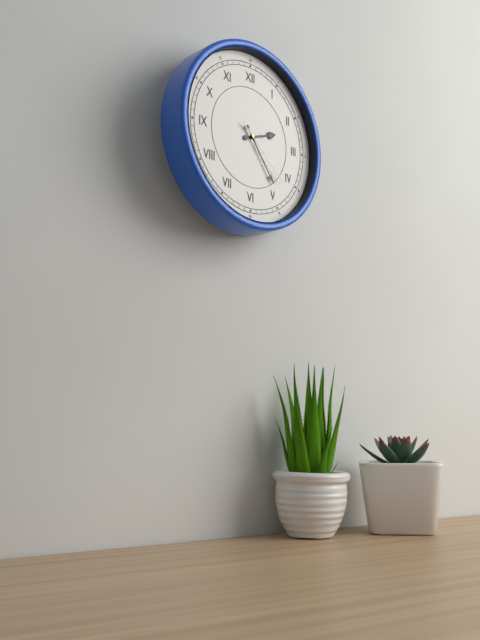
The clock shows 2:24:22
